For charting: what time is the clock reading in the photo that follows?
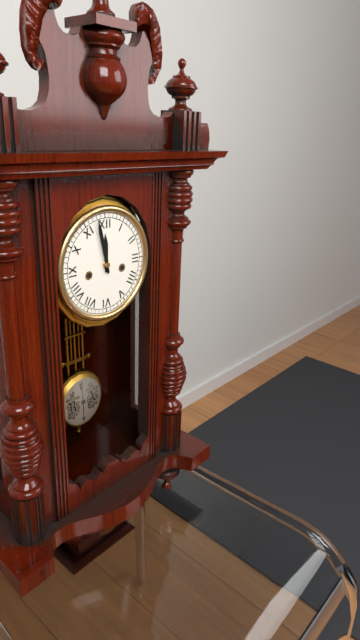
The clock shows 11:58
